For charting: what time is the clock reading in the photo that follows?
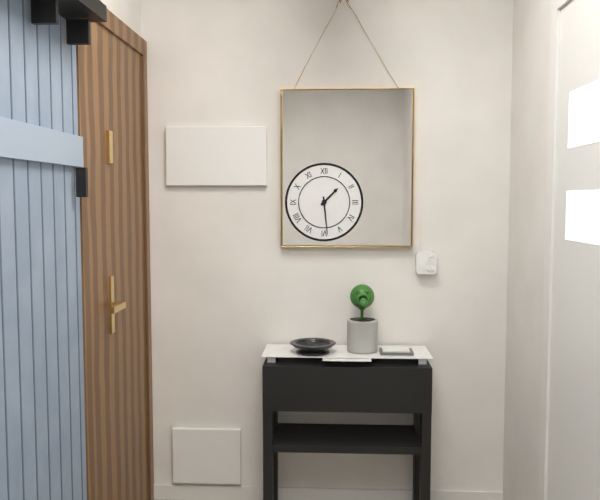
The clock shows 1:29
